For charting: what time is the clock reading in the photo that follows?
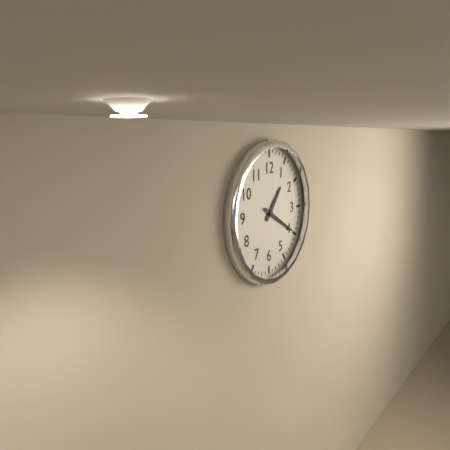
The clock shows 1:20
